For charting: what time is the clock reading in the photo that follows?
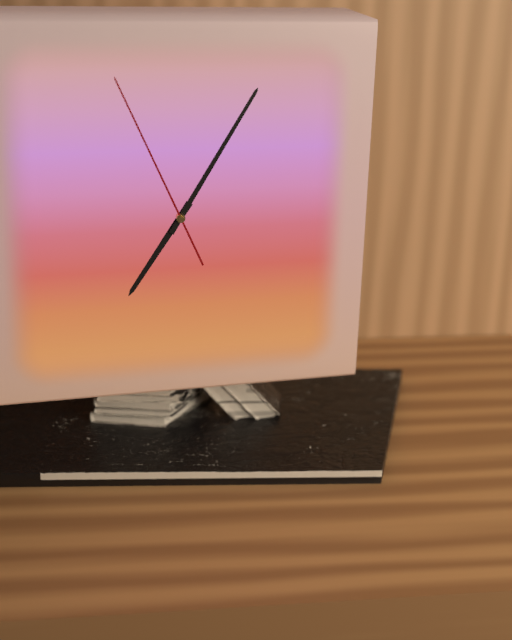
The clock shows 7:05:56
